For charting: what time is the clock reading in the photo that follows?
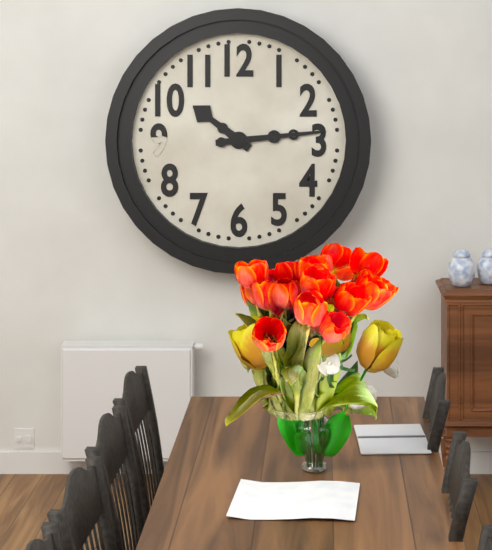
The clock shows 10:14
